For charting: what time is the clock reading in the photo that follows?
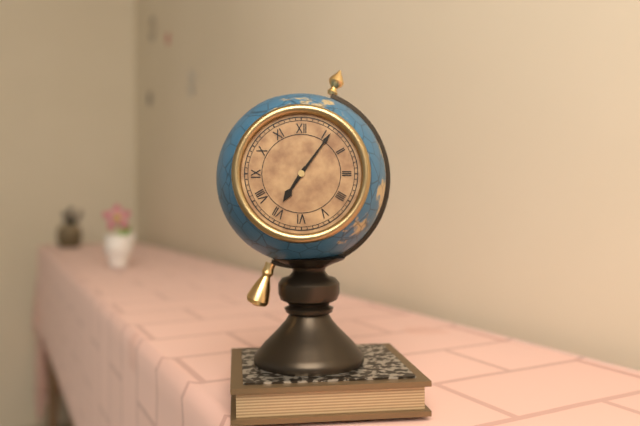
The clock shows 7:06
